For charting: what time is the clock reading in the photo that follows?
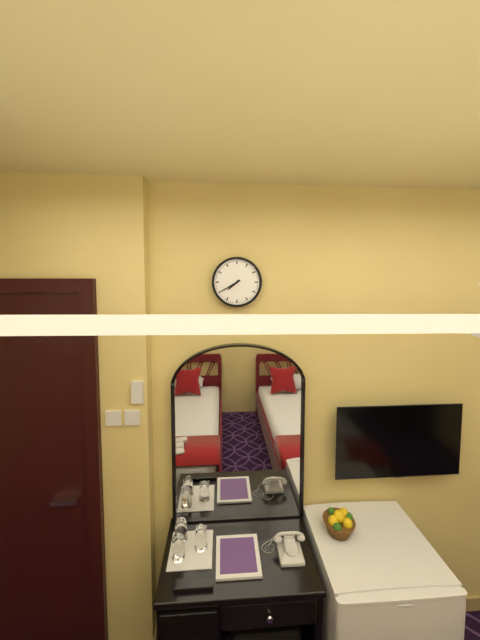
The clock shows 7:40
